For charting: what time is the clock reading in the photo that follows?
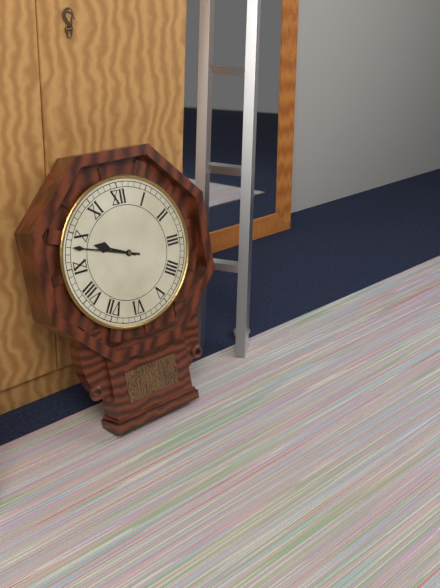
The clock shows 9:48
